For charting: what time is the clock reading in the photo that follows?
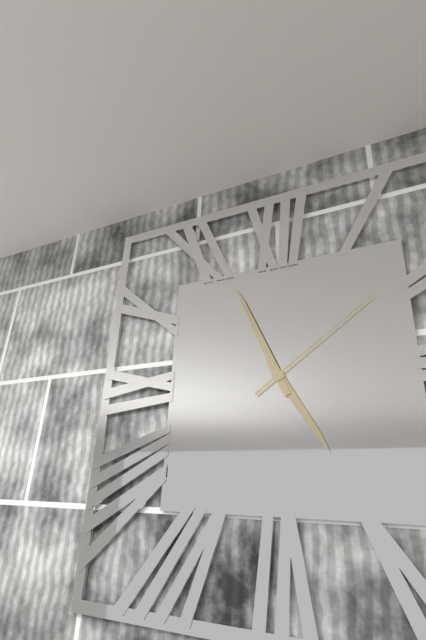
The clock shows 4:56:09
